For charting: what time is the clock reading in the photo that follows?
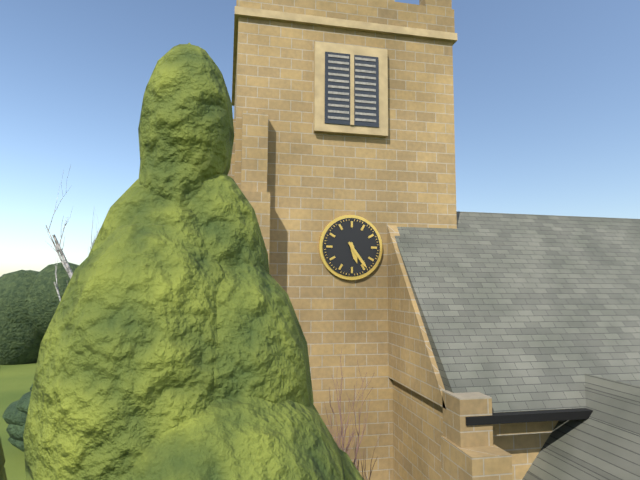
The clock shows 5:24
